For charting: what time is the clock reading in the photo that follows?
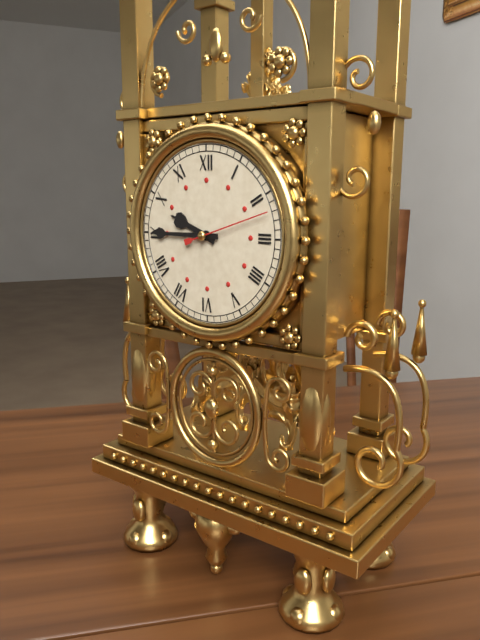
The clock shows 9:45:12
